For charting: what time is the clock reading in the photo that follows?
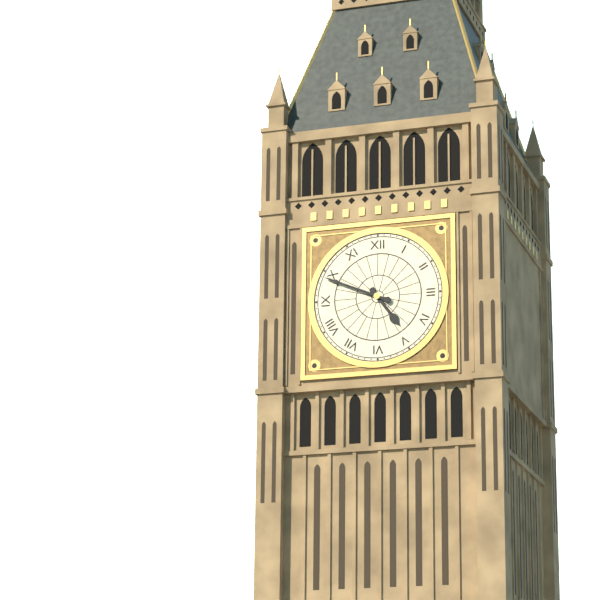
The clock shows 4:49
